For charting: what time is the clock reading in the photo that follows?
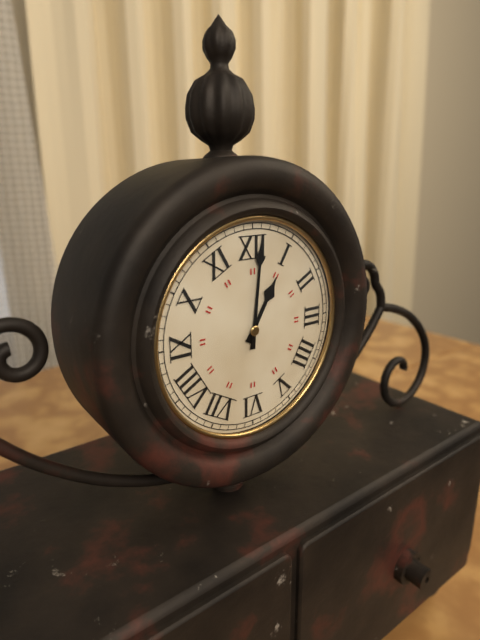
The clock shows 1:01
